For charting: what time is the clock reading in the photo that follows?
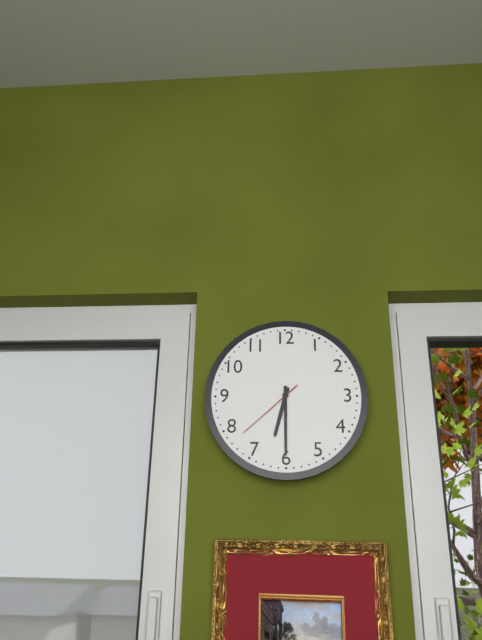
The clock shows 6:30:38
